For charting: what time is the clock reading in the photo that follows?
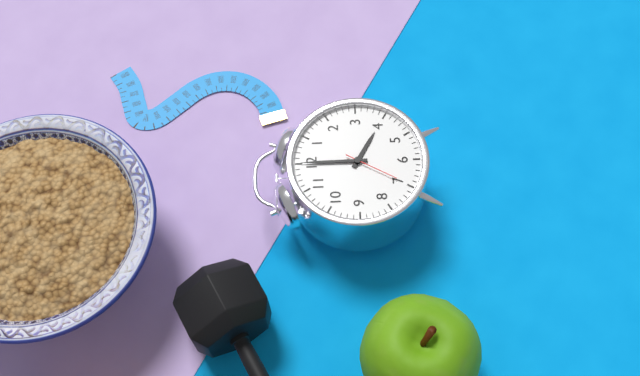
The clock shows 4:00:35
